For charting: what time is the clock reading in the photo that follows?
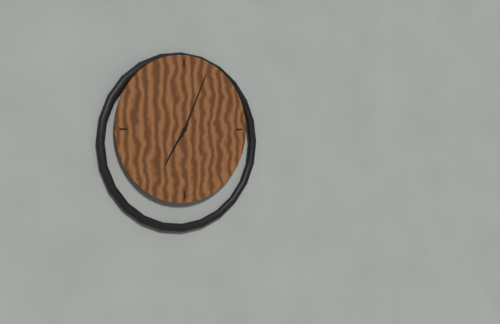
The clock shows 7:04
